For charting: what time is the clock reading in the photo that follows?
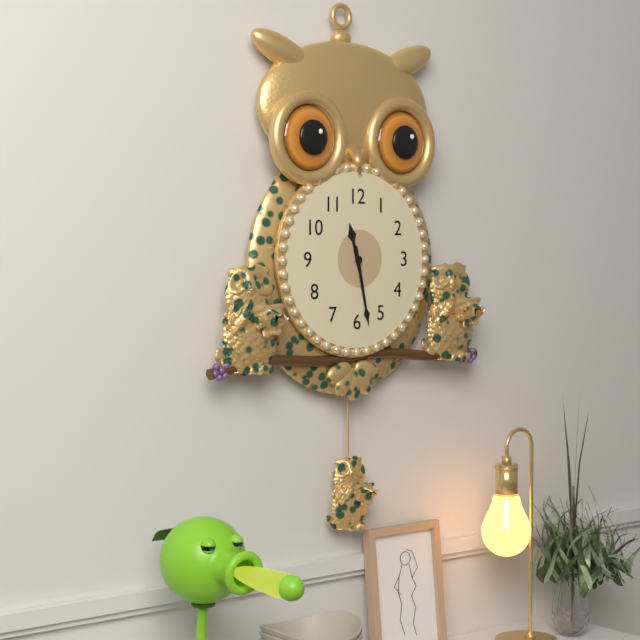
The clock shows 11:28
